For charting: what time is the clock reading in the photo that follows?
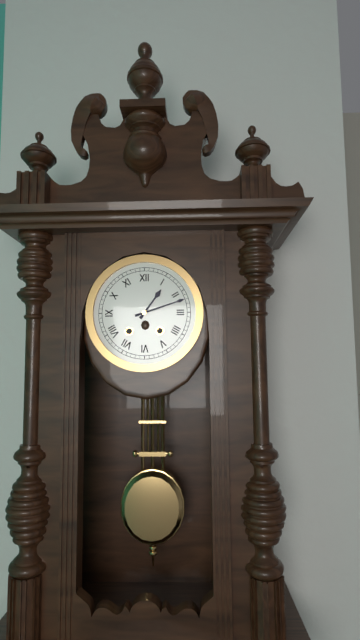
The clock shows 1:12
